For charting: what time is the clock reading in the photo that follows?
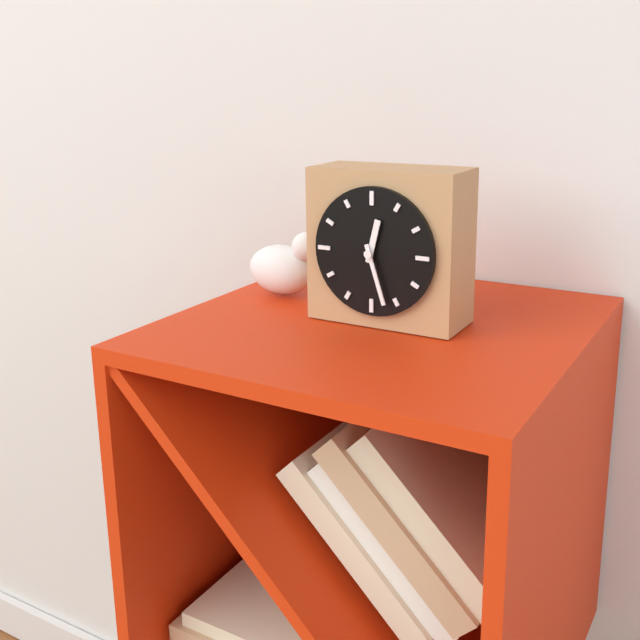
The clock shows 12:27
